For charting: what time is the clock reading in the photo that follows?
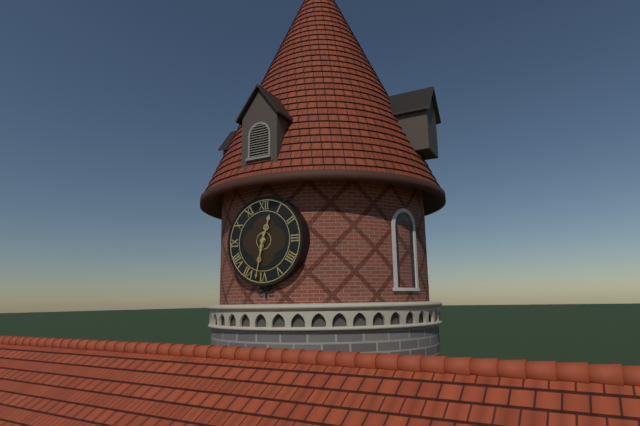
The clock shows 12:32
